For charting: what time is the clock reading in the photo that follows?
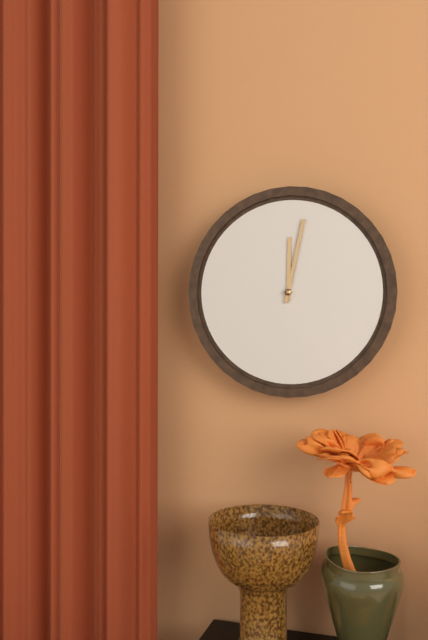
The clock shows 12:02
